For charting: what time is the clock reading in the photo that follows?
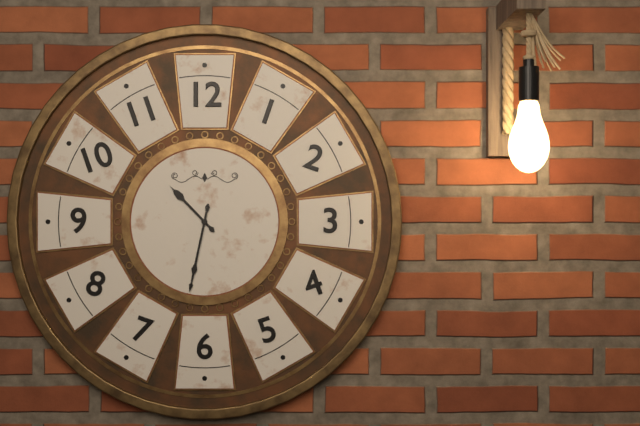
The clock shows 10:32
